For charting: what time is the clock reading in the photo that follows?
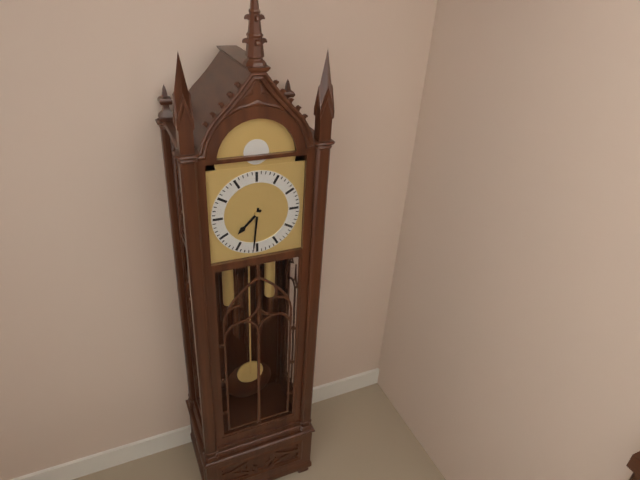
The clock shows 7:31
